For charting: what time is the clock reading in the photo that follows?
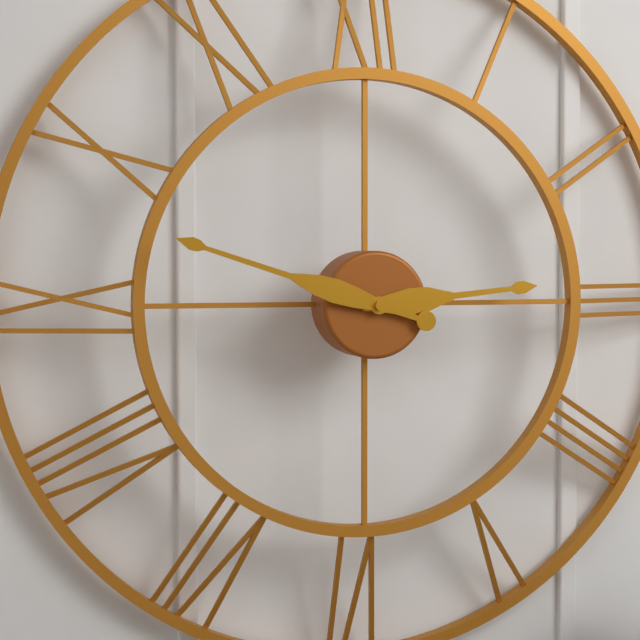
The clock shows 2:48
